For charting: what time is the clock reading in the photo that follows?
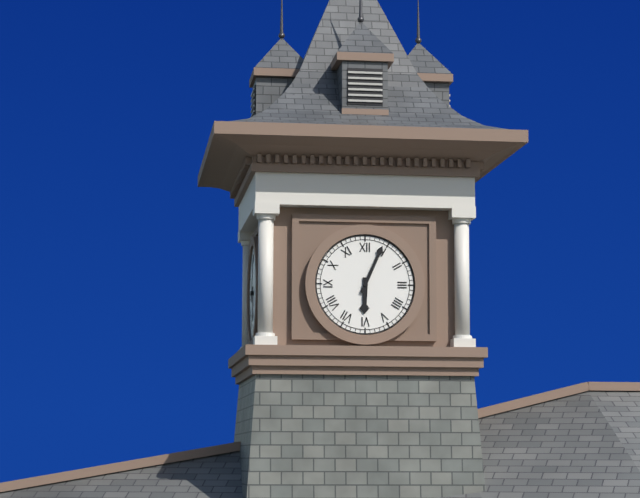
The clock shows 6:04
